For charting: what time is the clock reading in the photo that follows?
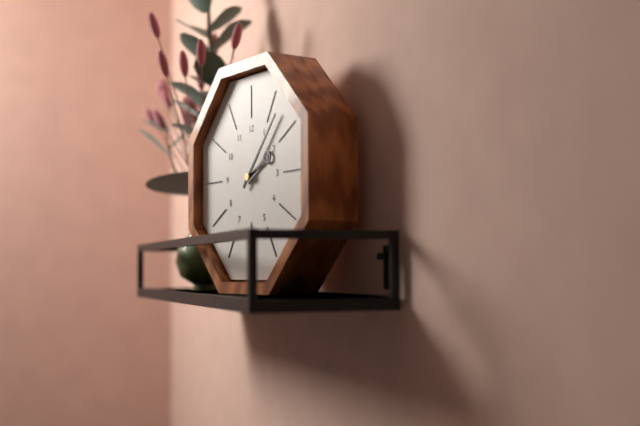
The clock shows 2:07
